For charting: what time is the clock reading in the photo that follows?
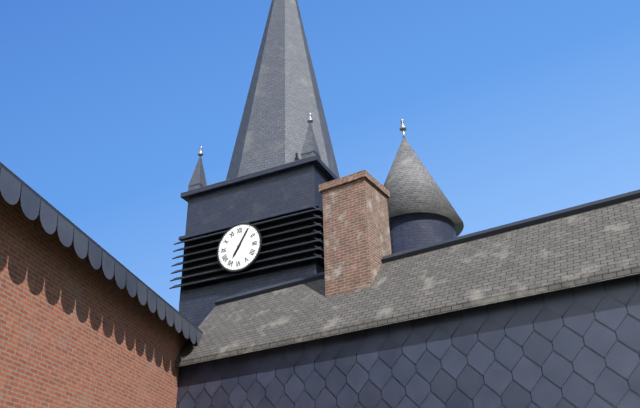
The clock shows 7:05
